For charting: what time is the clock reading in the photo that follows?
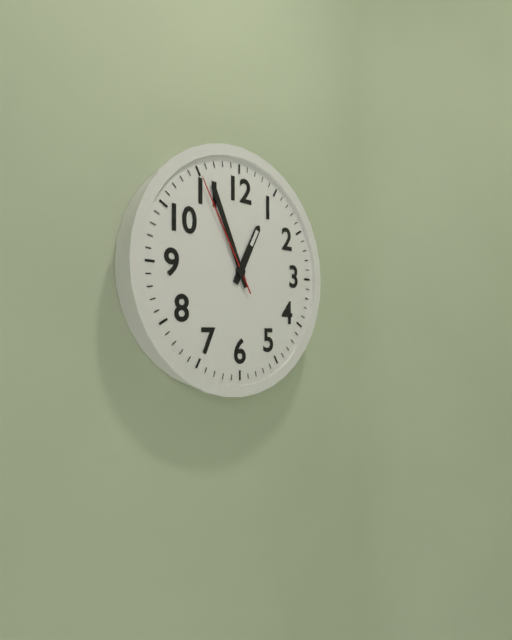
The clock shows 12:56:55
